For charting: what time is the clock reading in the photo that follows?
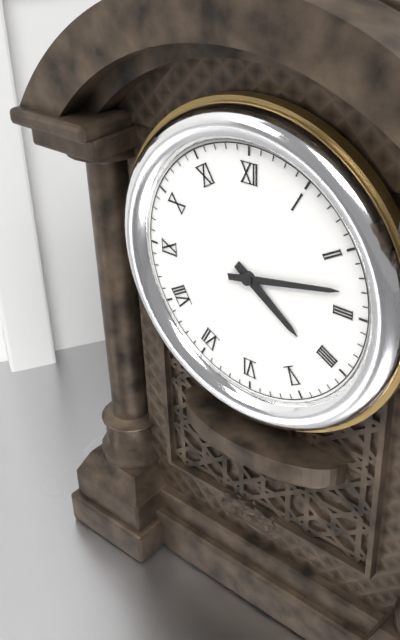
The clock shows 4:13
